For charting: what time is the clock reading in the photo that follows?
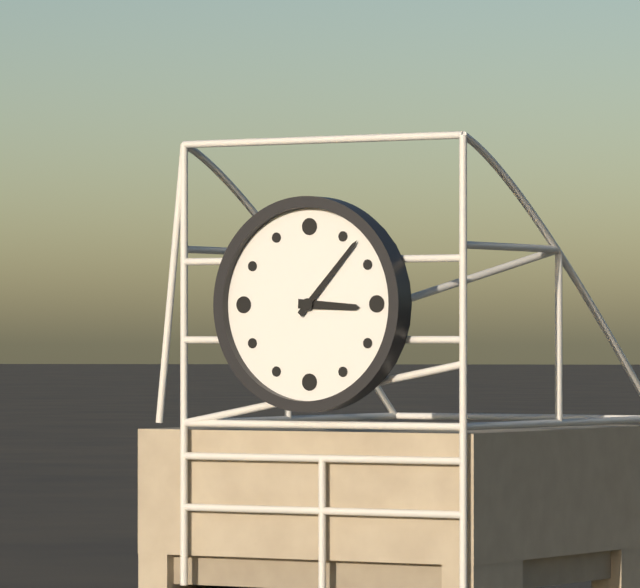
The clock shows 3:07
